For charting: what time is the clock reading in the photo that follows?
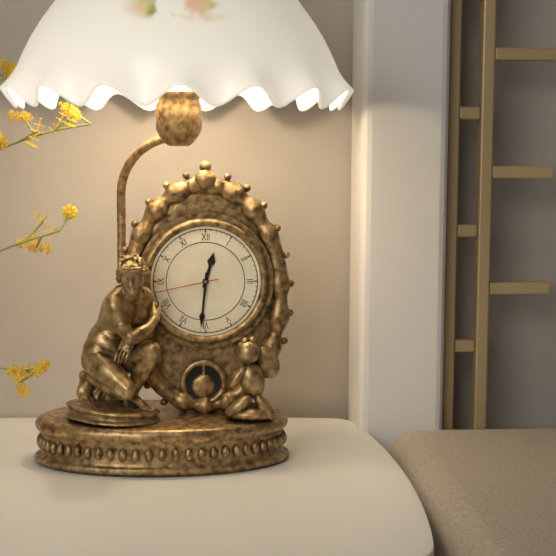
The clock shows 12:31:43
